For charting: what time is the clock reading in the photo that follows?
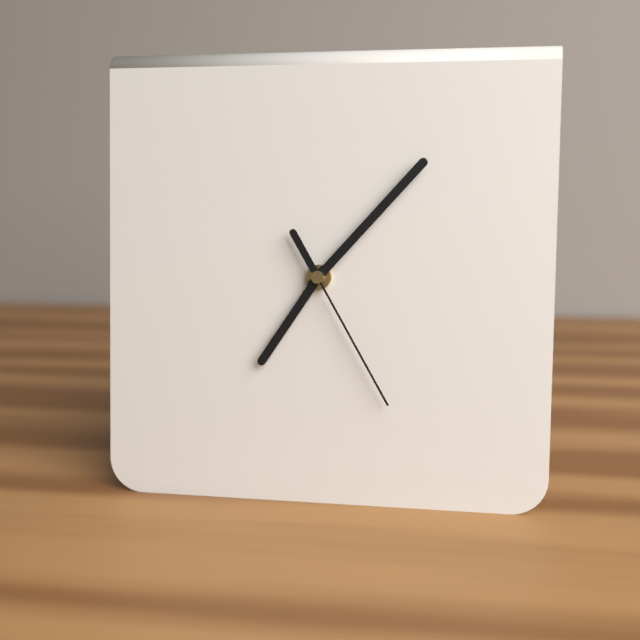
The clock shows 7:07:25
